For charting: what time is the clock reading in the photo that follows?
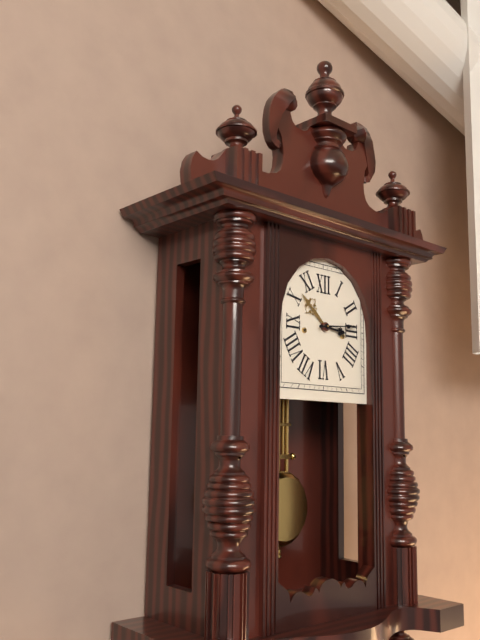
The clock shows 3:14
